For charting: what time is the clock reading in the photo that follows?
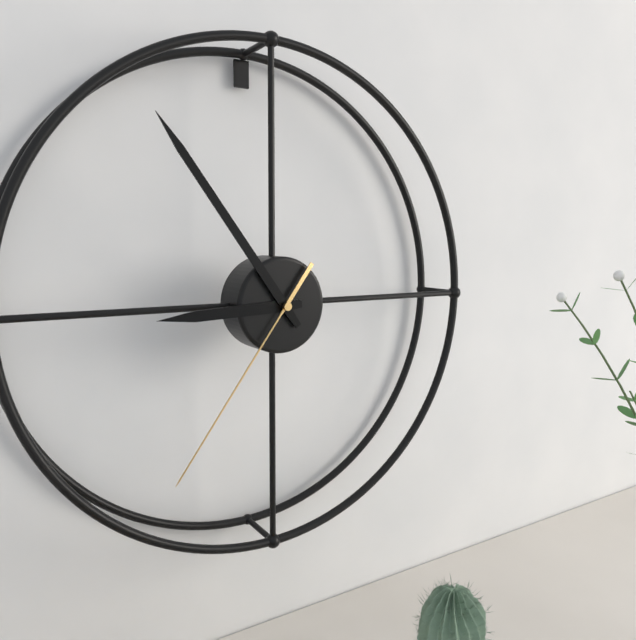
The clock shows 8:54:36
